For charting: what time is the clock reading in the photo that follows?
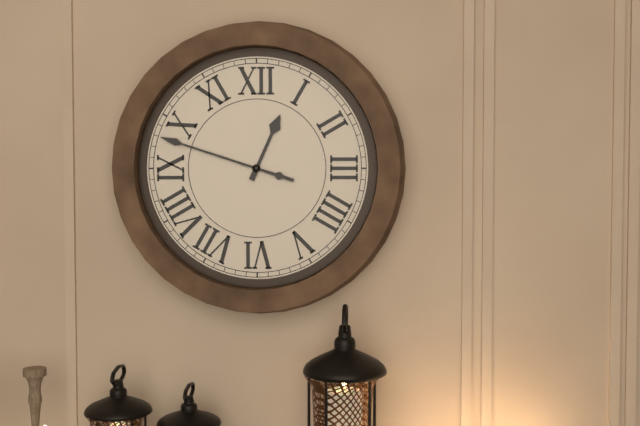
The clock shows 12:48
